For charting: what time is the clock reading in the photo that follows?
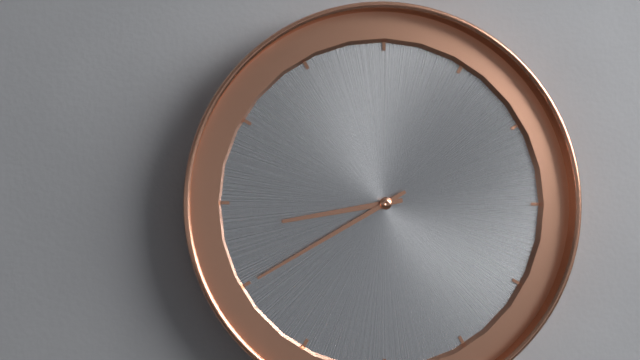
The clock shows 8:40
